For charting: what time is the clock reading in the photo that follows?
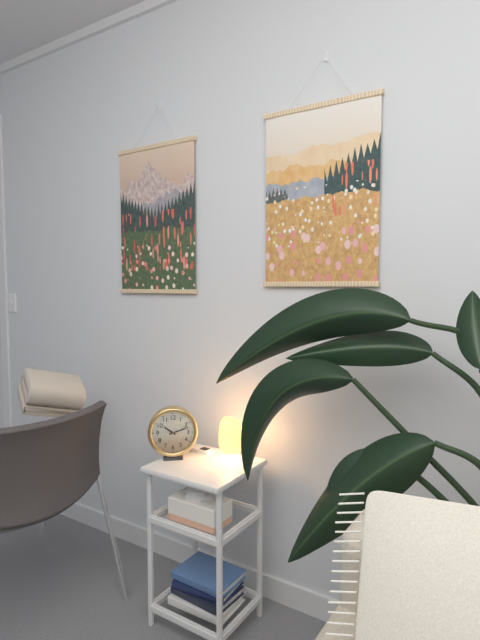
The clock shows 10:12
